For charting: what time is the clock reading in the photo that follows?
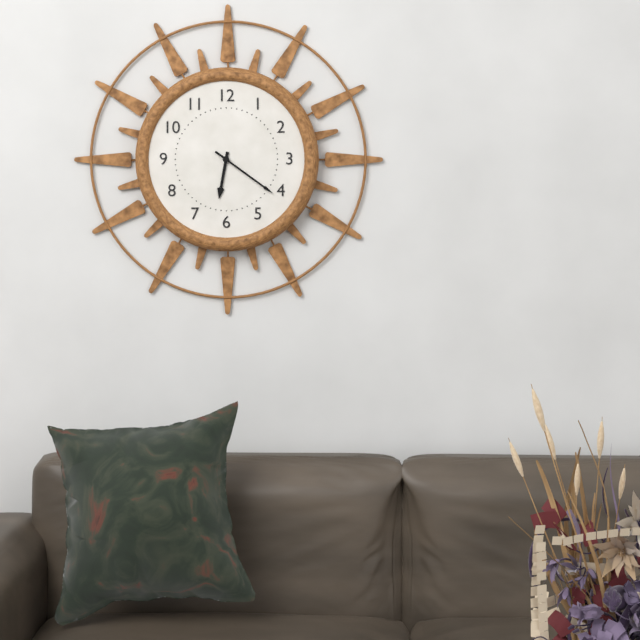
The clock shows 6:21
